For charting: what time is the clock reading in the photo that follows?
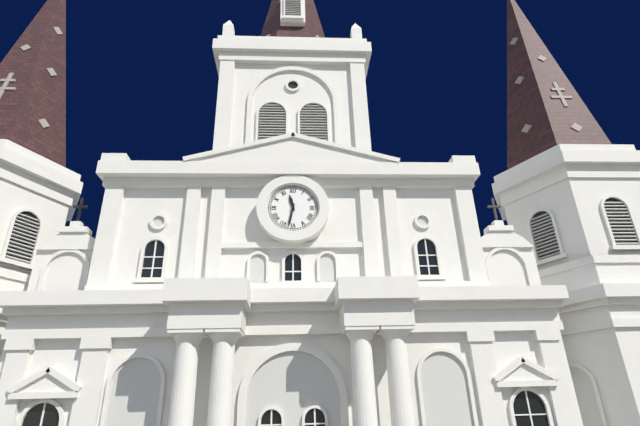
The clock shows 11:32
